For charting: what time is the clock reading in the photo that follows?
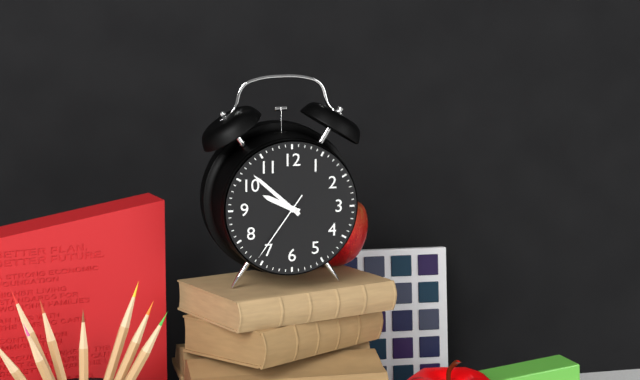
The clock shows 9:52:36
